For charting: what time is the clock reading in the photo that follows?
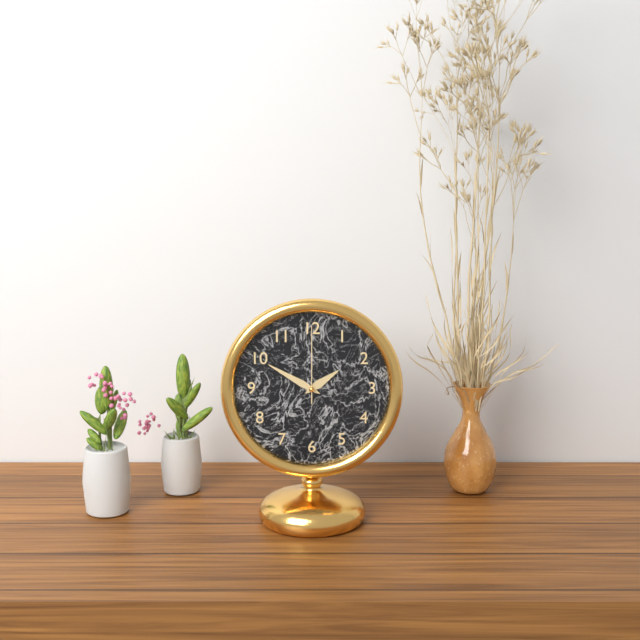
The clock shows 1:50:00
